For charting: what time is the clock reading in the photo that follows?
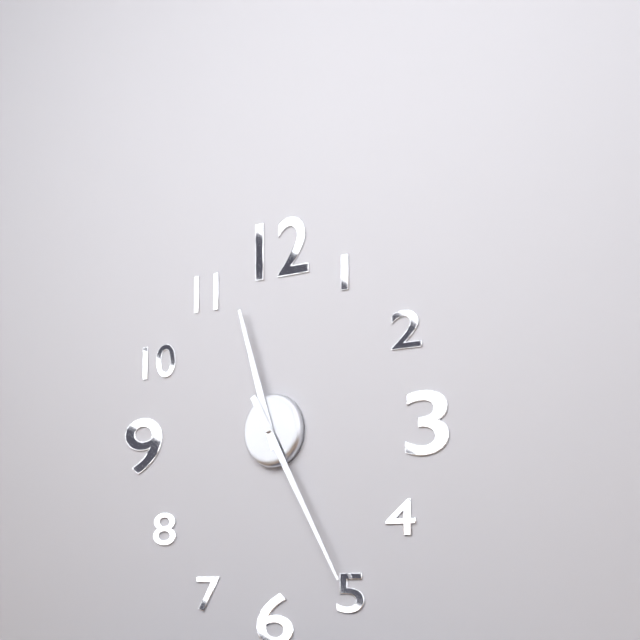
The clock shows 11:25
